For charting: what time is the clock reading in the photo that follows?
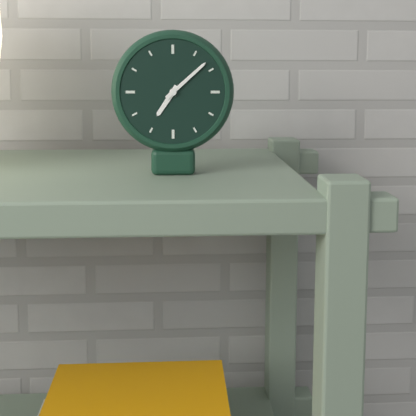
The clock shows 7:08
